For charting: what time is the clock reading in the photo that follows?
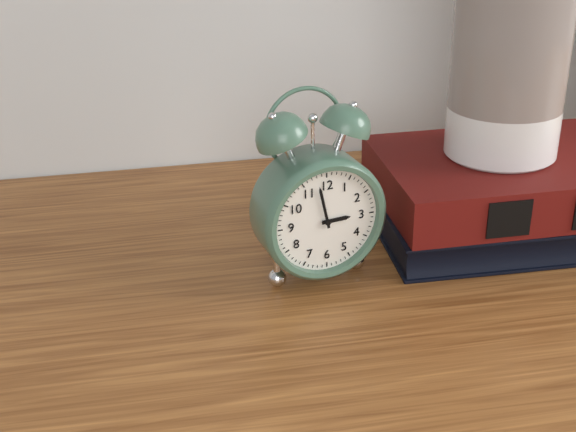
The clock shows 2:58
